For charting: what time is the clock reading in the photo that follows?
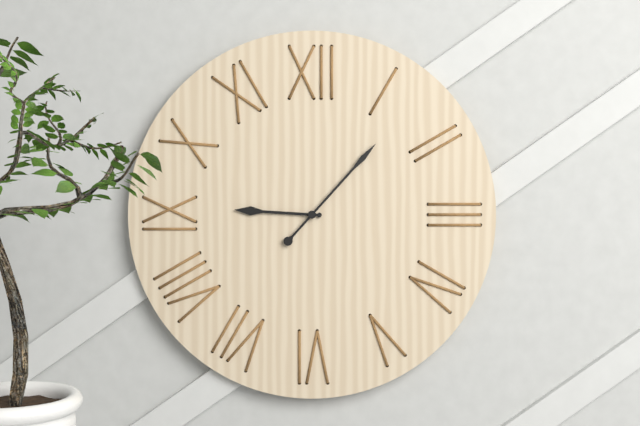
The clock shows 9:07
